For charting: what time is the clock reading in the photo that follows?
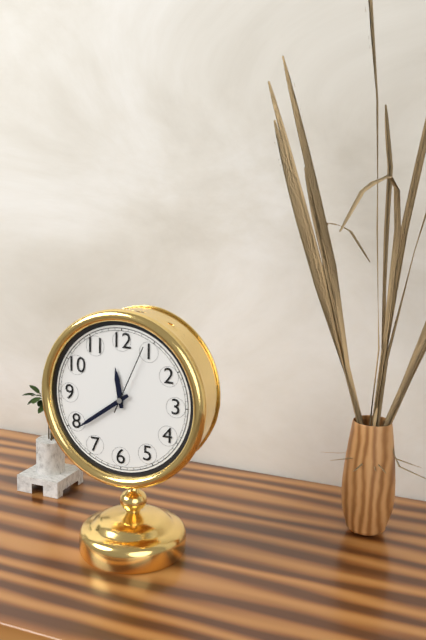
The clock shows 11:39:04
